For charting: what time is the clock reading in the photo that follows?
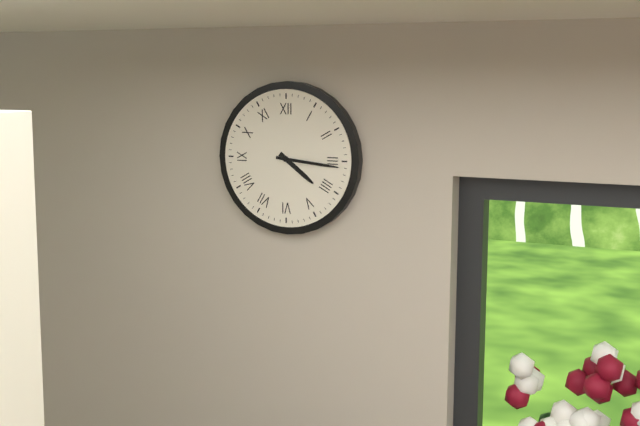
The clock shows 4:16
